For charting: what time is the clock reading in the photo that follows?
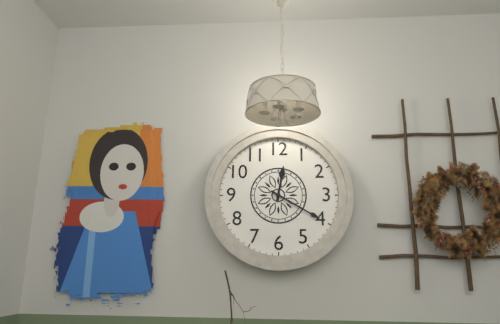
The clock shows 12:20
